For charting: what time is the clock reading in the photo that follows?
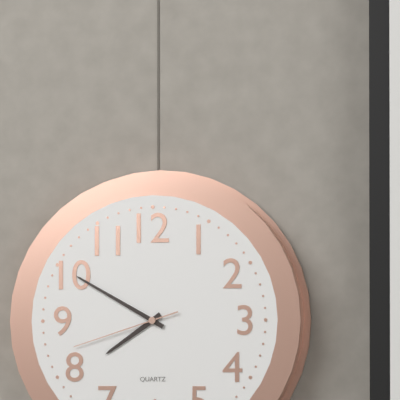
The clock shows 7:50:42
